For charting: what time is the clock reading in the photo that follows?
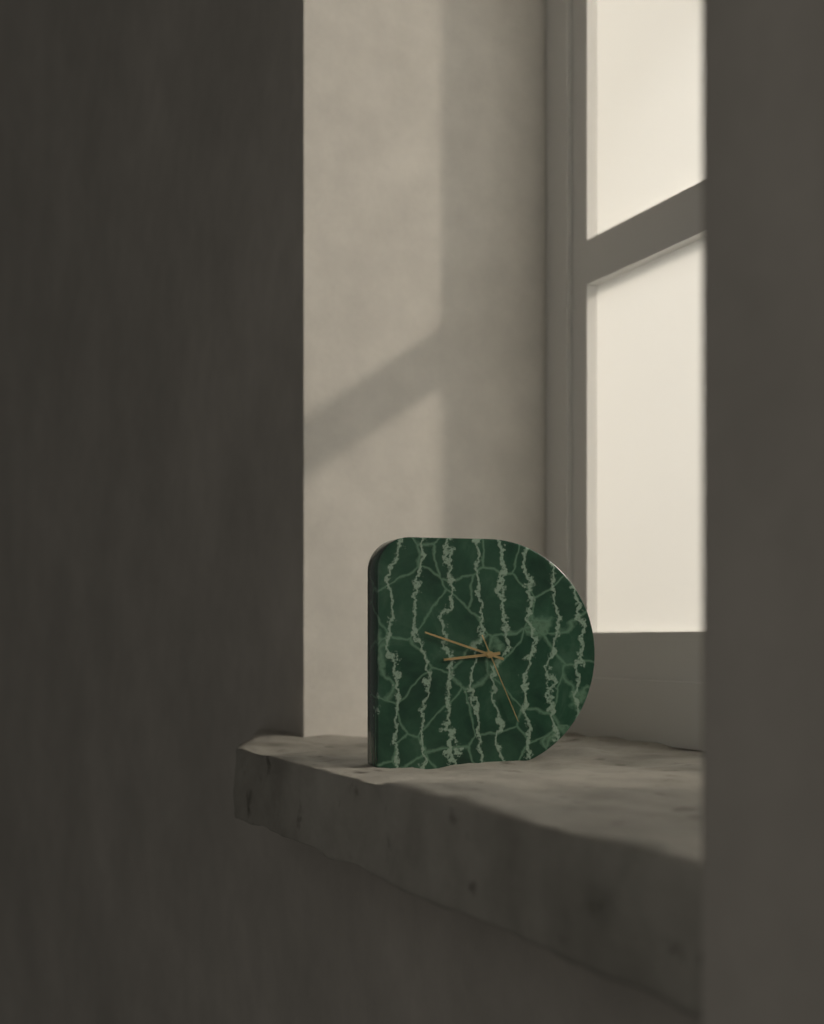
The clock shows 8:48:26
